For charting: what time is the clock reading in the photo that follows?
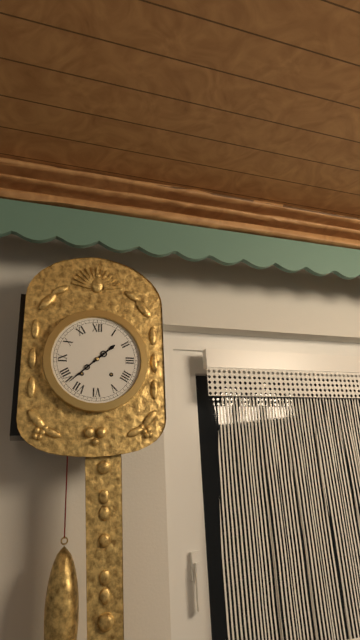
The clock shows 1:38
